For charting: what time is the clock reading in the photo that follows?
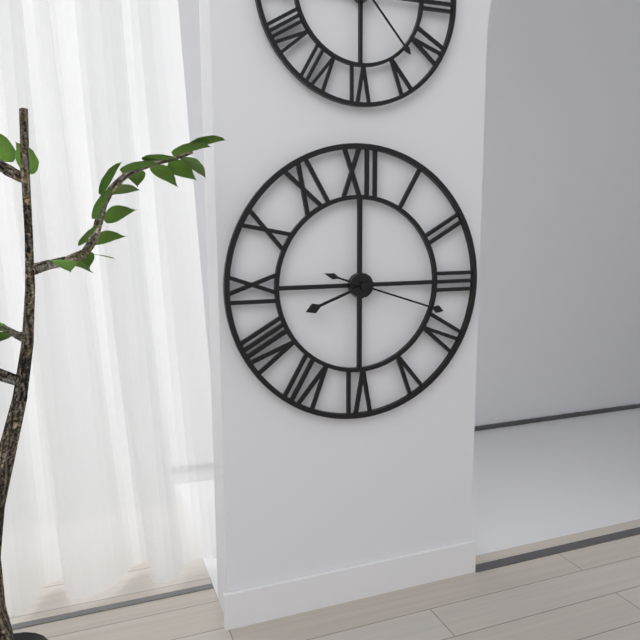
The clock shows 8:18
